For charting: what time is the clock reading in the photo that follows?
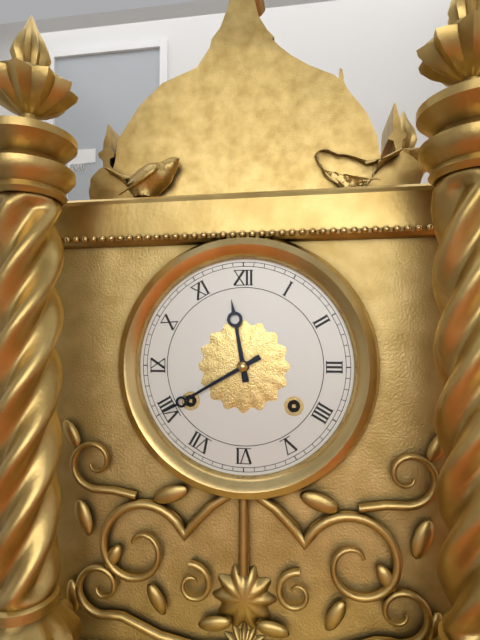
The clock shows 11:40
